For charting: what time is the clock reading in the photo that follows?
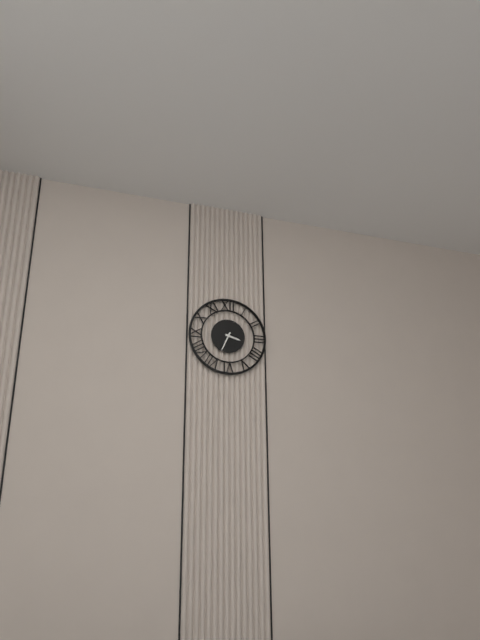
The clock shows 3:34
